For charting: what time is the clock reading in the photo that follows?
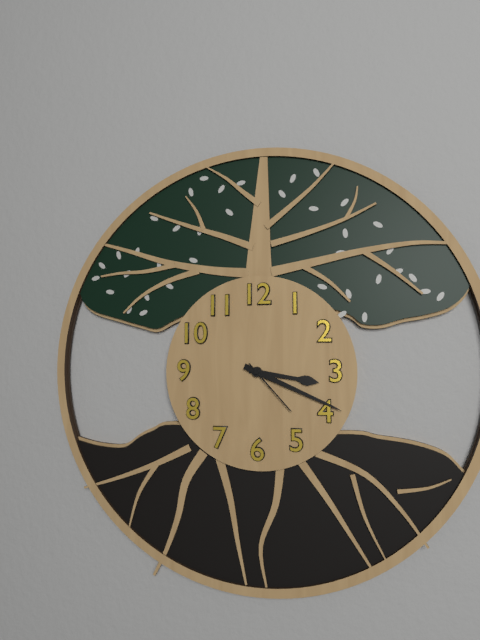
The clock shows 3:19:23
